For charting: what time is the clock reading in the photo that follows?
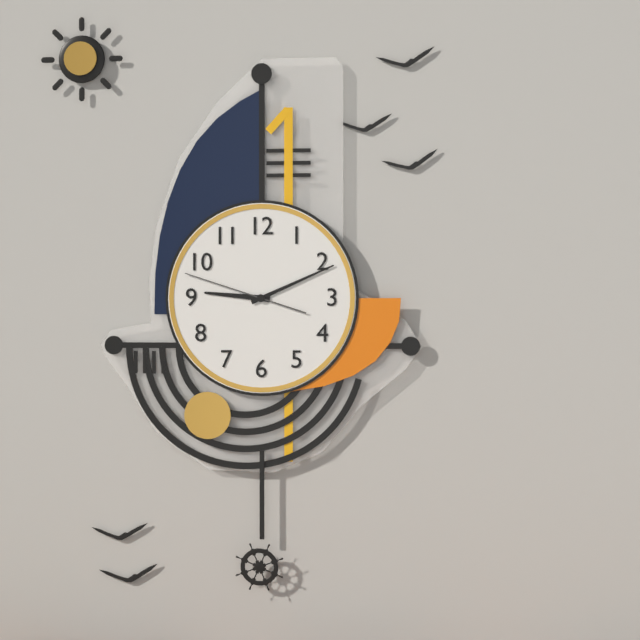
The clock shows 9:11:48
